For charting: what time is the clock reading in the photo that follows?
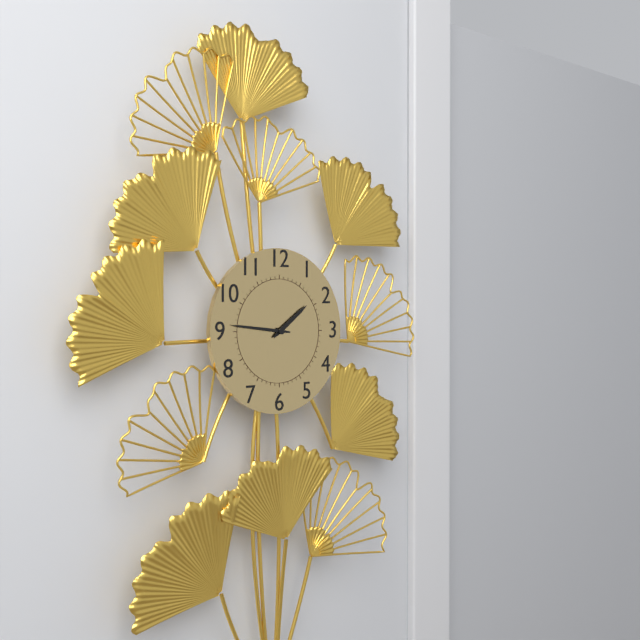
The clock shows 1:46
